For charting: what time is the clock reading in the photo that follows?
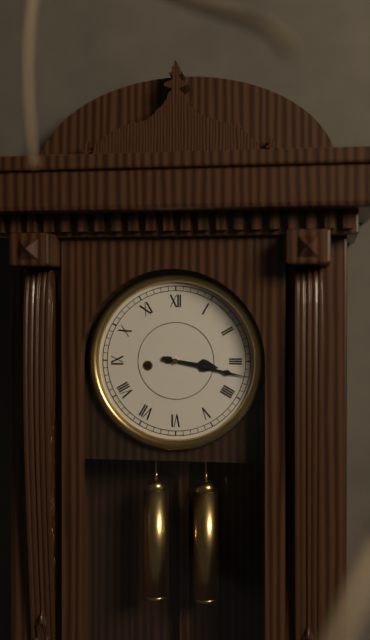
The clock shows 3:17
